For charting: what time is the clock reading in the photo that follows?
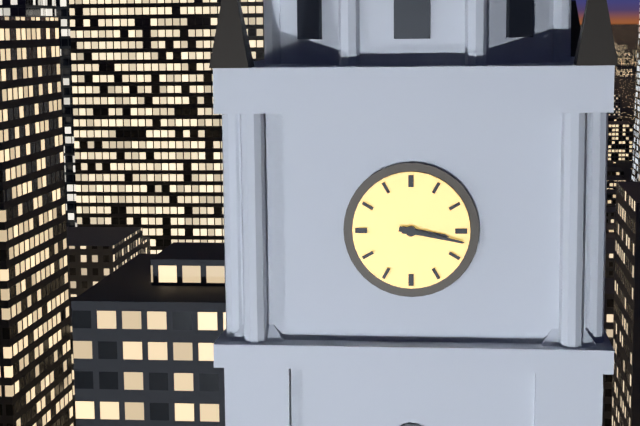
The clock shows 3:17
